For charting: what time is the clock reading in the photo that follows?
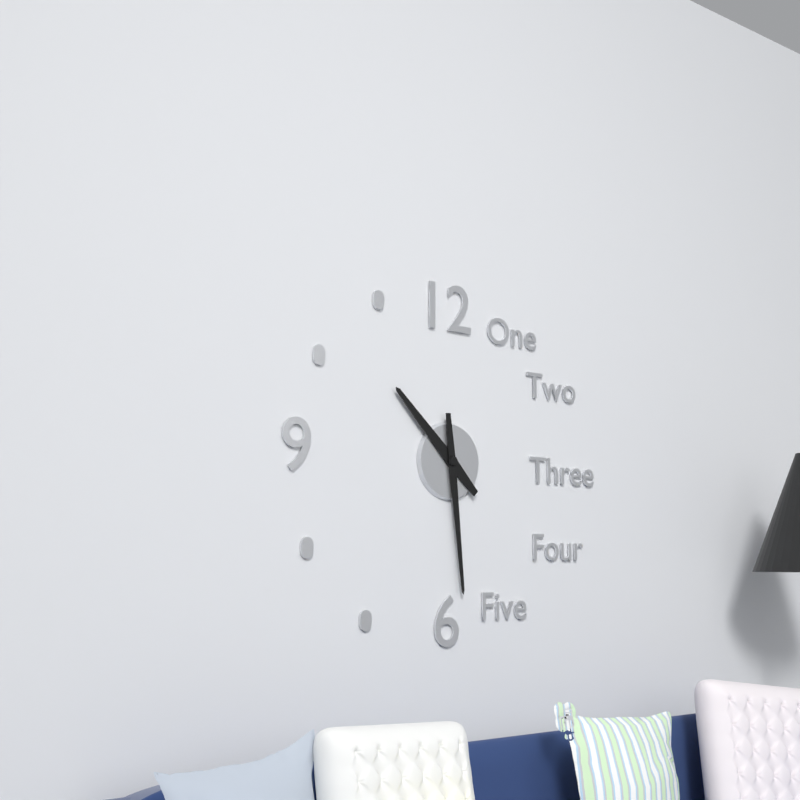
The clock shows 10:29
